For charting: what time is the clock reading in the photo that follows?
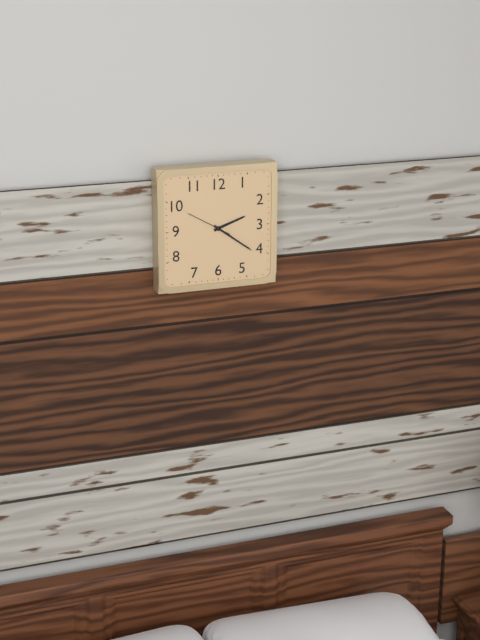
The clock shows 2:21
